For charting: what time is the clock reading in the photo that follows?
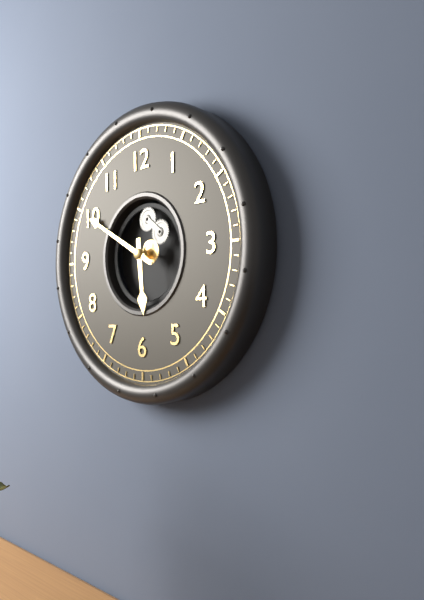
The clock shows 5:50
